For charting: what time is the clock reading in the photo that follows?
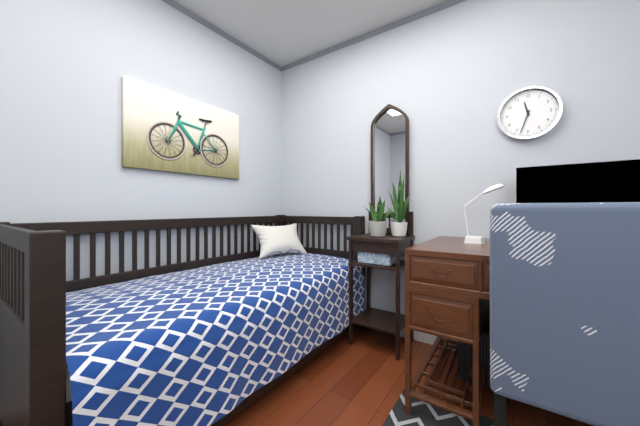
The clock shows 11:33
